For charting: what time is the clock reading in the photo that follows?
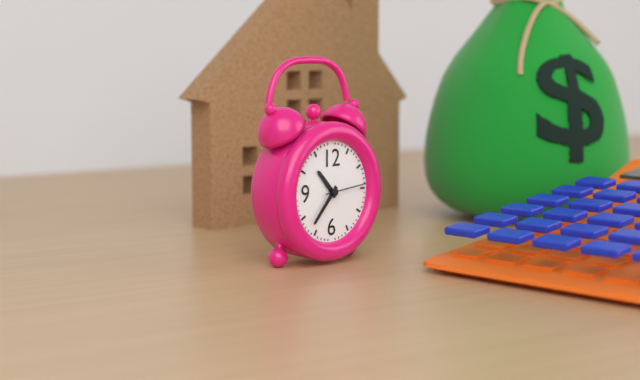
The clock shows 10:37
